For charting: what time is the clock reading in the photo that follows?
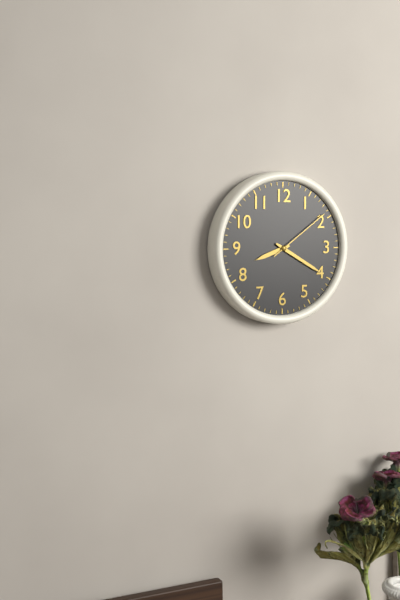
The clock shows 8:20:09
